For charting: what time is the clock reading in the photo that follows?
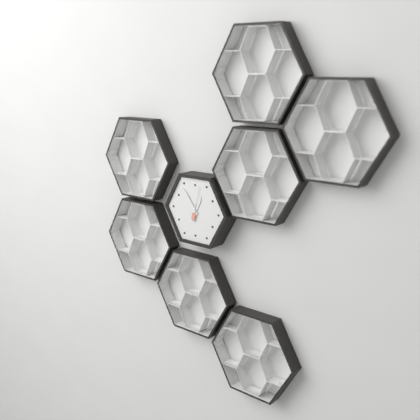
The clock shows 12:54
